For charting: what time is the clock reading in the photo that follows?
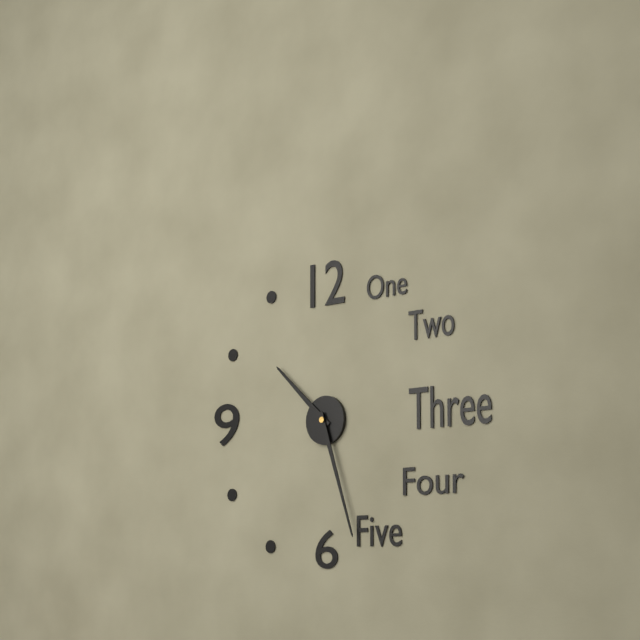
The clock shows 10:27
